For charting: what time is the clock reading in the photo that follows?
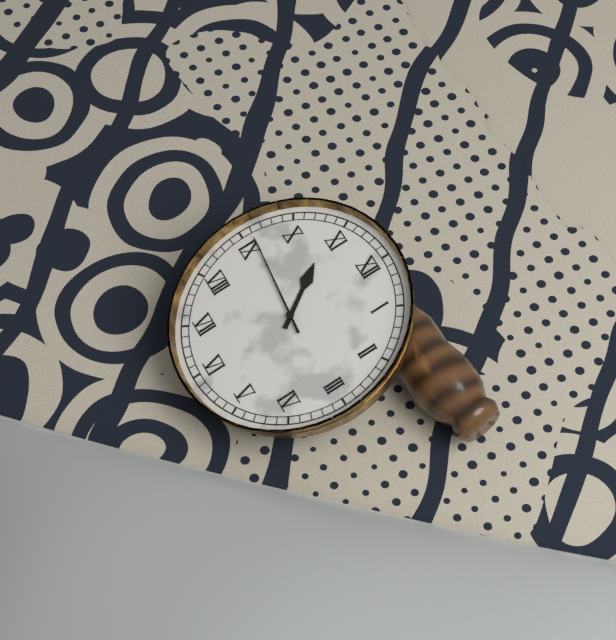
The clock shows 10:46
